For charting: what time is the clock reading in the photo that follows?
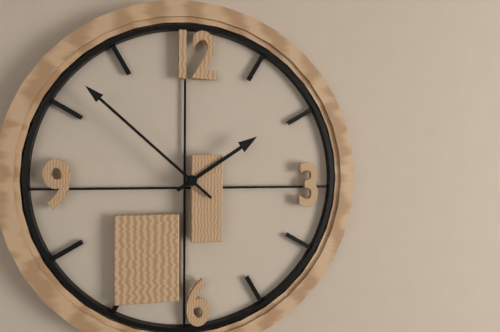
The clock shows 1:52
